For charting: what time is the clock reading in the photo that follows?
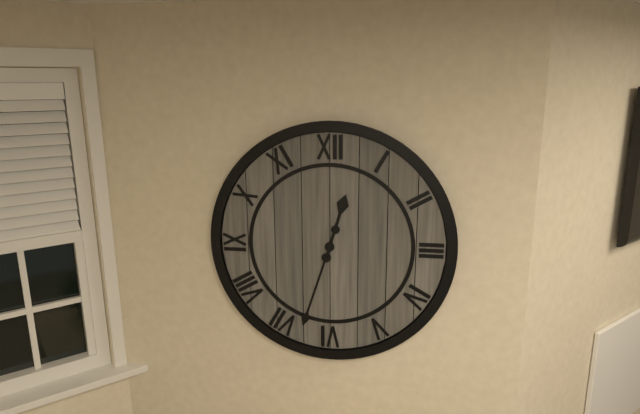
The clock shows 12:33
